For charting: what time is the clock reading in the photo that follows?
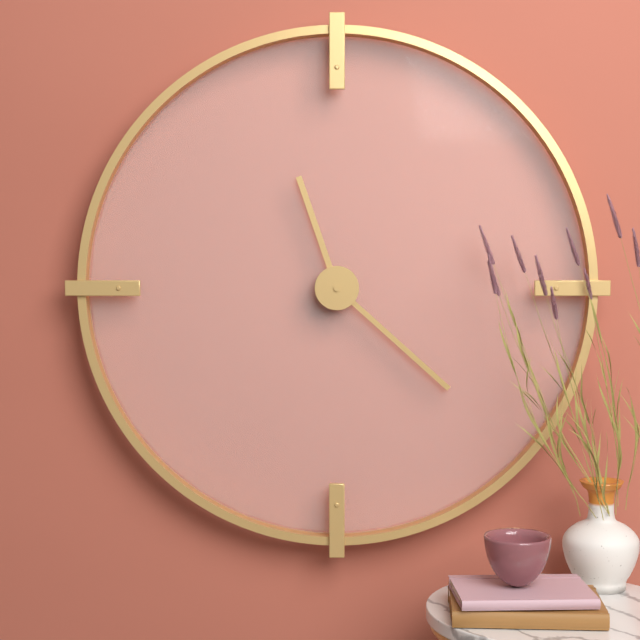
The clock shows 11:22
